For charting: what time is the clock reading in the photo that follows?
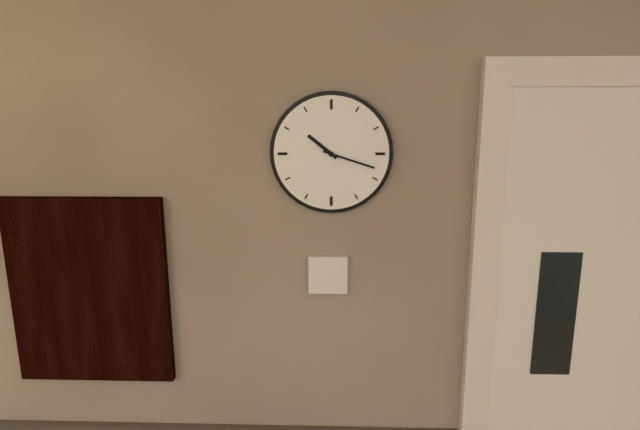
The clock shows 10:18
